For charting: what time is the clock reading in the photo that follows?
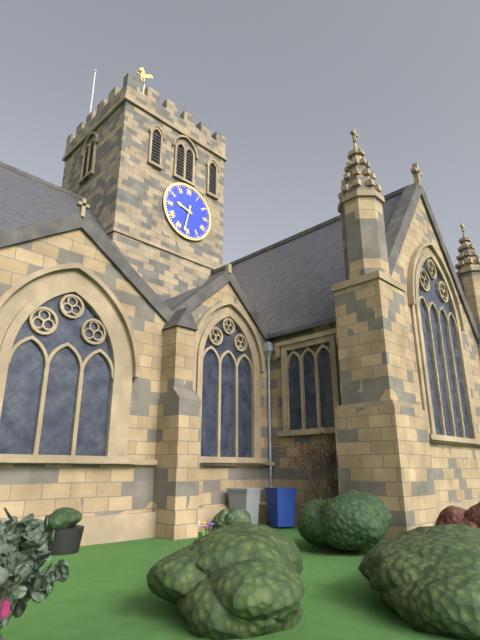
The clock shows 9:32
